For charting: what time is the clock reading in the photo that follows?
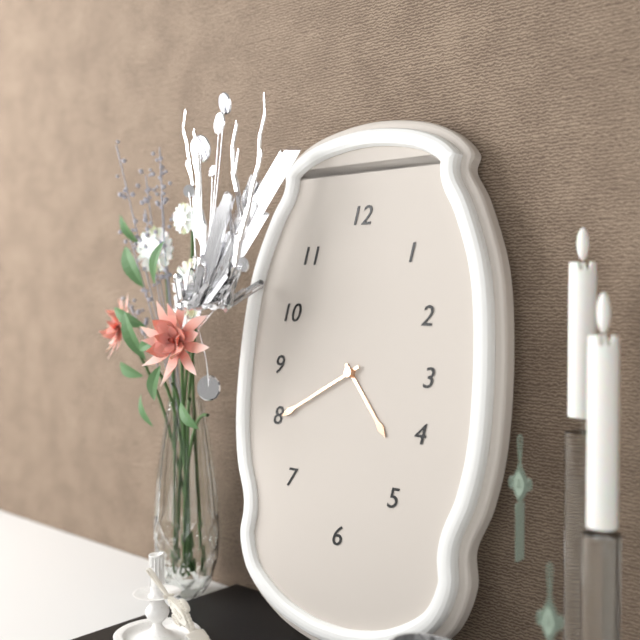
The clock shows 4:40
